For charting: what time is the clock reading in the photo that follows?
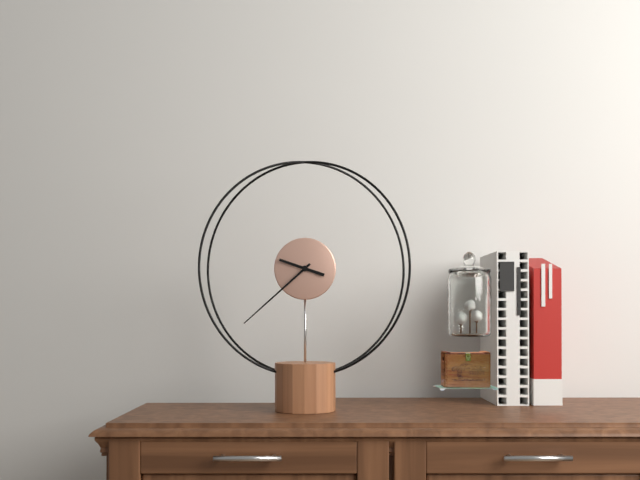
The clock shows 9:38
